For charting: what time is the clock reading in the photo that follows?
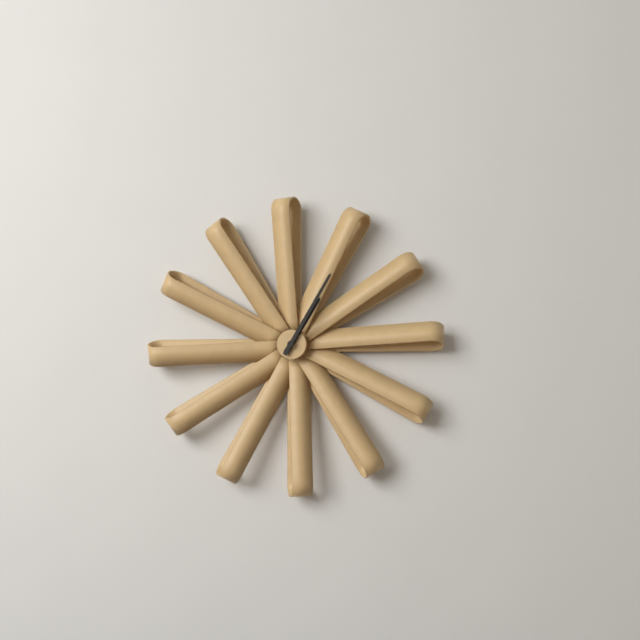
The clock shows 1:05
